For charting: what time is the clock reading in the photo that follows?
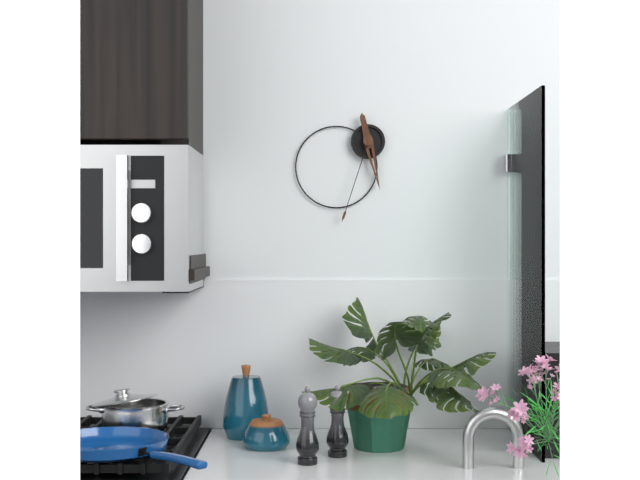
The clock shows 5:33
